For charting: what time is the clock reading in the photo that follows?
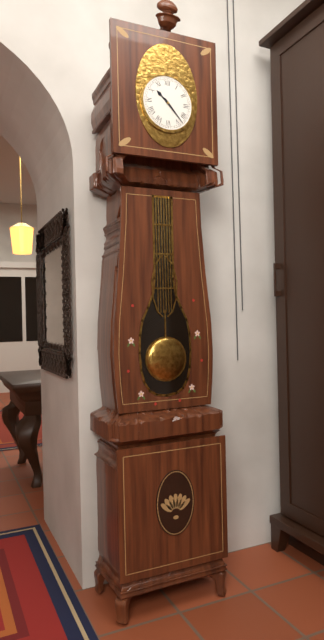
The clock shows 10:23
